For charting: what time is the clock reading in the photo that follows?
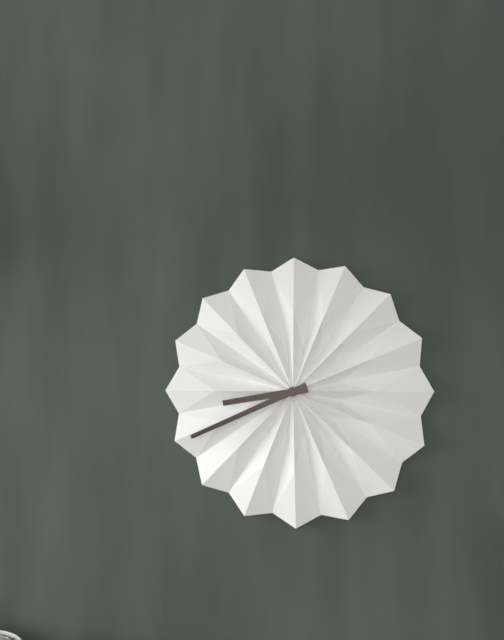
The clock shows 8:41
